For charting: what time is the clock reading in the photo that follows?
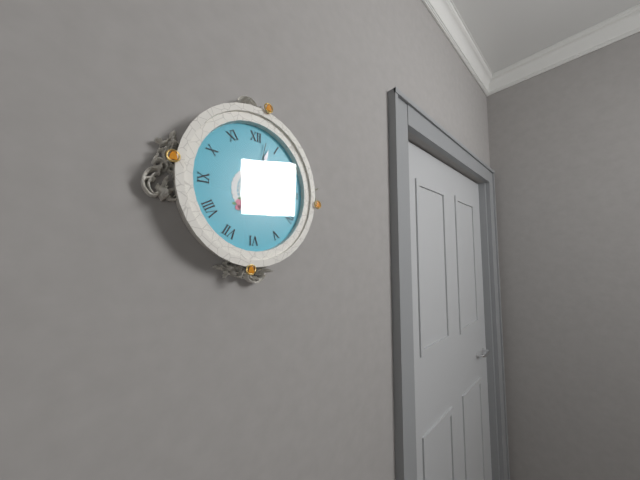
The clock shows 7:03:02
